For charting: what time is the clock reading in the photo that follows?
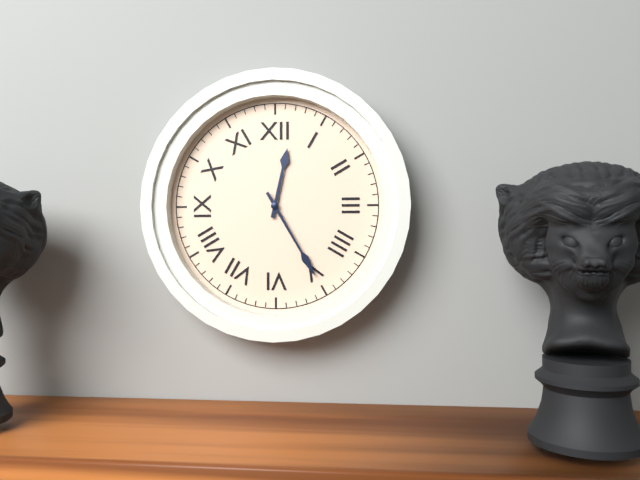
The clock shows 12:25
